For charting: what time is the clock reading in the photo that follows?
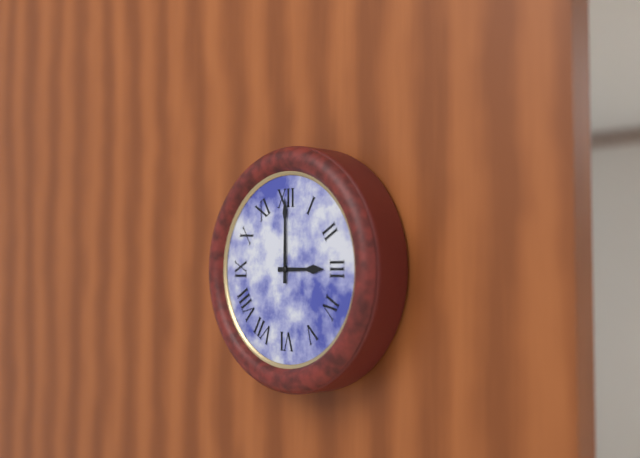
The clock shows 3:00
